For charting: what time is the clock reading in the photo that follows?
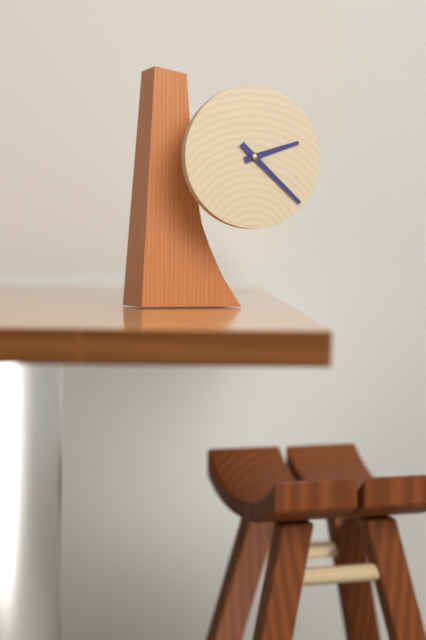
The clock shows 2:22
